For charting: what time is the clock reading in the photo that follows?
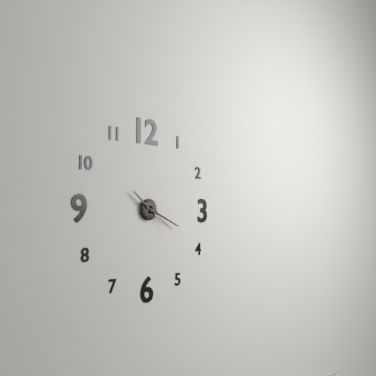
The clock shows 10:19
